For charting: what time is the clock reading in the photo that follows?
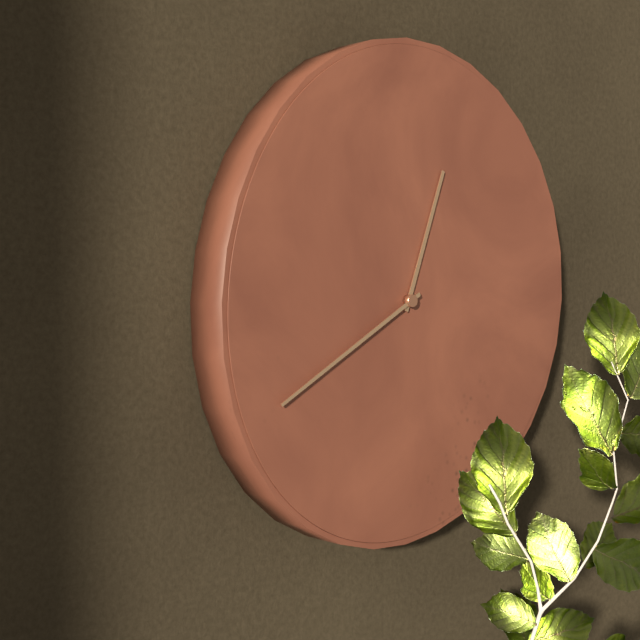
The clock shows 12:40
